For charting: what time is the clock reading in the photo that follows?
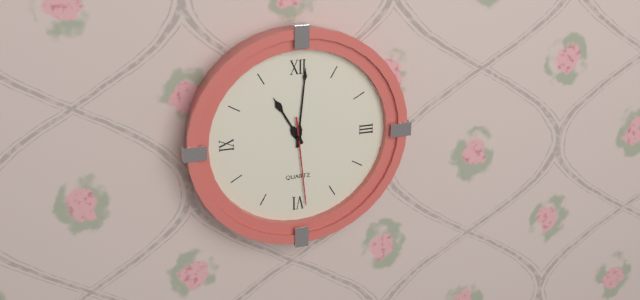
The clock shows 11:01:29
